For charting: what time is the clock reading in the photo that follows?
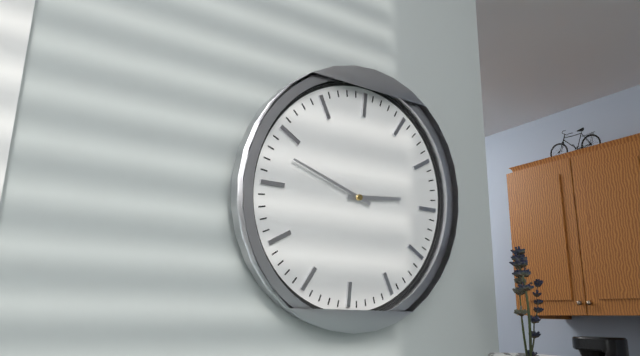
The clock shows 2:48
